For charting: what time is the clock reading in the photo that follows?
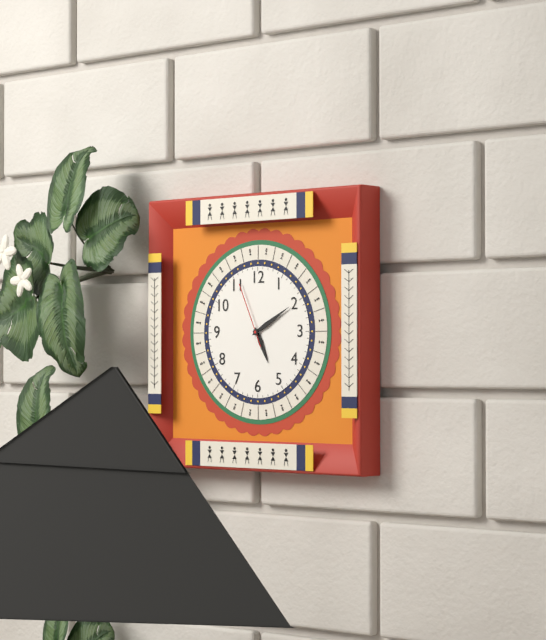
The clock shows 5:10:56
